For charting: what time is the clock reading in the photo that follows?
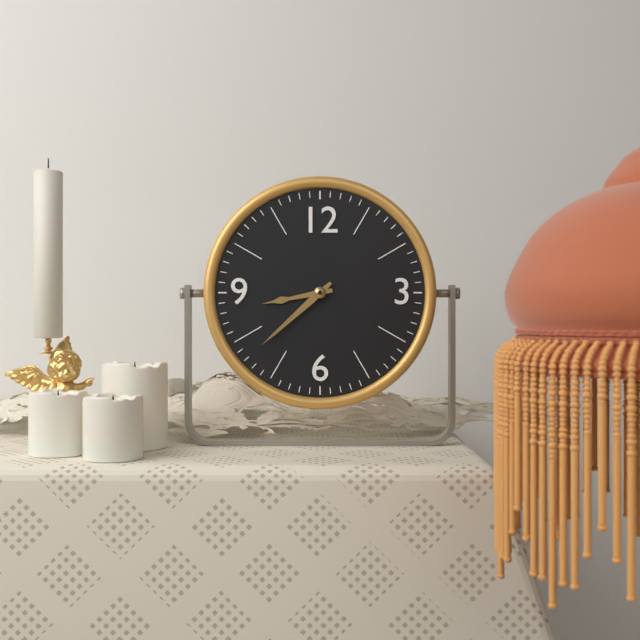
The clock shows 8:38
